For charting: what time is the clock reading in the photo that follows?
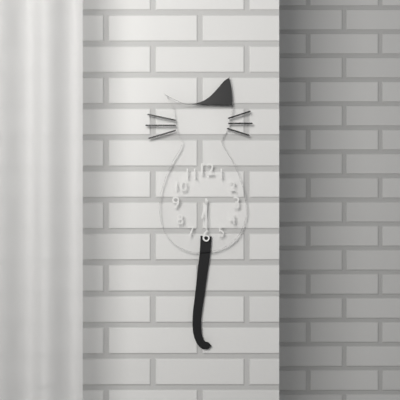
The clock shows 6:30
